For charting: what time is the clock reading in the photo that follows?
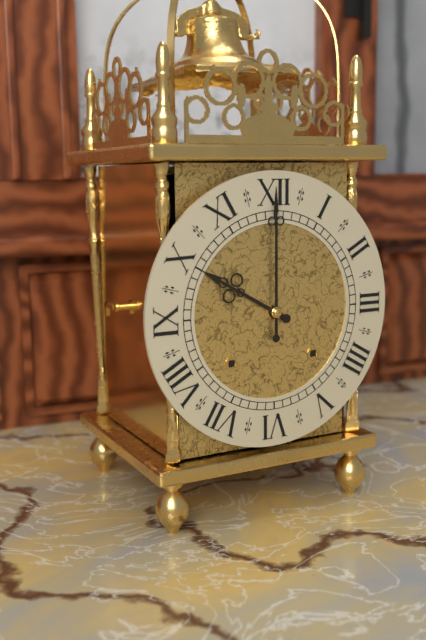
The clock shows 10:00
